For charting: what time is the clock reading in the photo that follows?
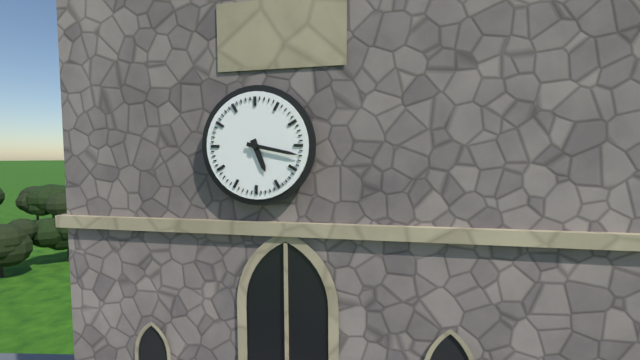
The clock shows 5:17
